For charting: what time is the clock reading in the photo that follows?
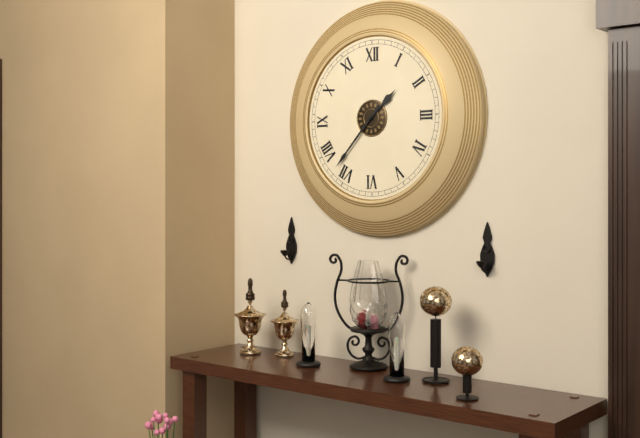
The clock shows 1:37
